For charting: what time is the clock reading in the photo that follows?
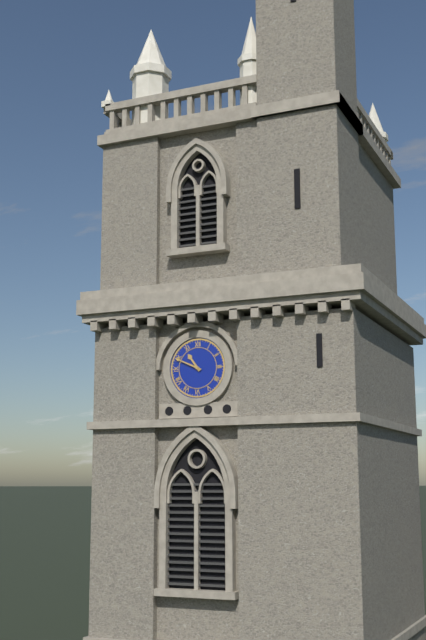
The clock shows 10:49
